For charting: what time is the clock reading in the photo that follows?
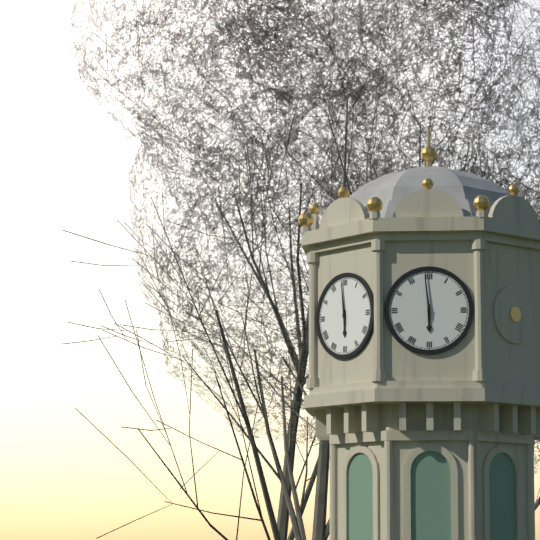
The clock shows 5:59
